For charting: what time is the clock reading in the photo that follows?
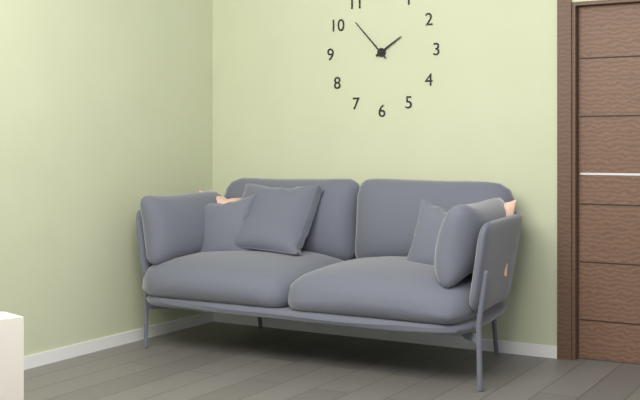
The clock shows 1:53
